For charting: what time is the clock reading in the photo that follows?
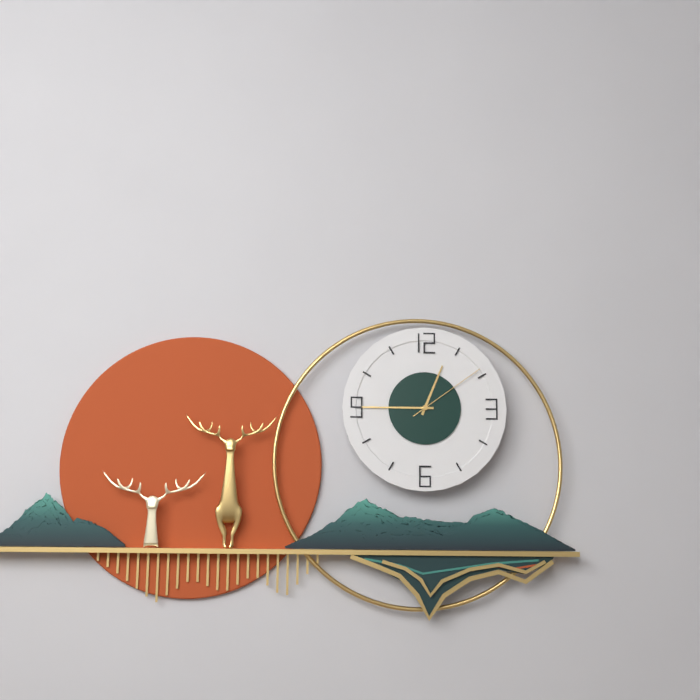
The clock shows 12:45:09
